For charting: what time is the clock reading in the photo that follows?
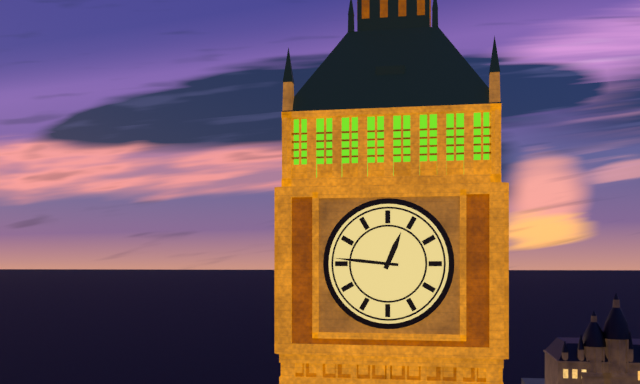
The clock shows 12:46
